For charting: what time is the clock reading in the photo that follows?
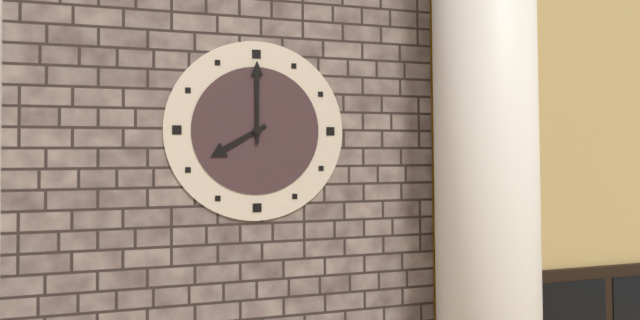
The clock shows 8:00
